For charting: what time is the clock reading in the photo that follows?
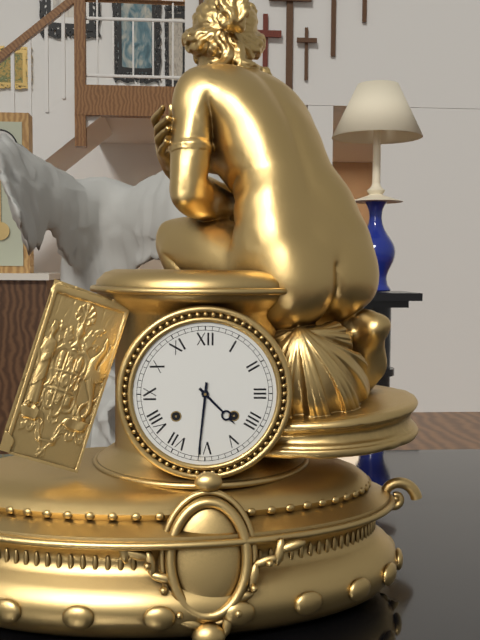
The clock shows 4:31
